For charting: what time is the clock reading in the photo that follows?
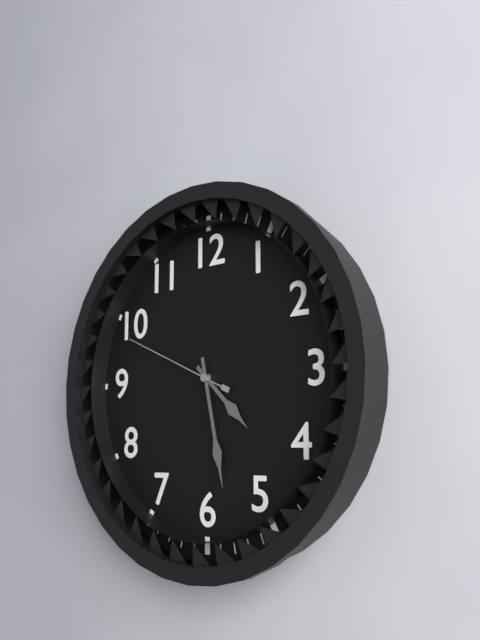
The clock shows 4:28:49
